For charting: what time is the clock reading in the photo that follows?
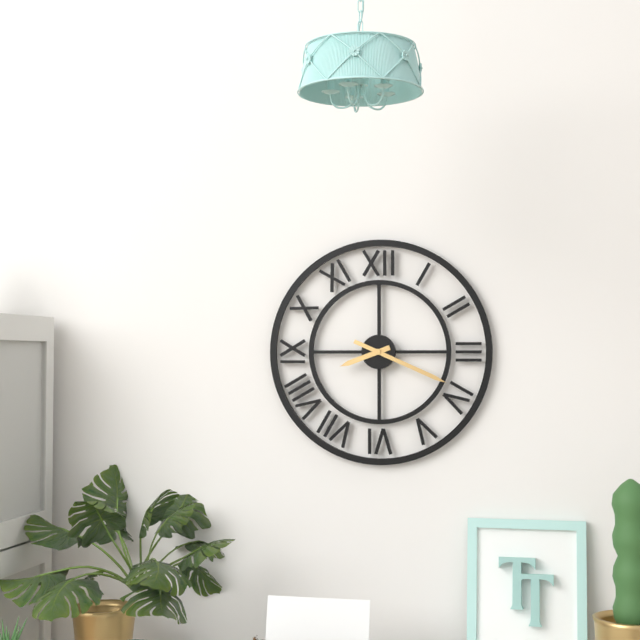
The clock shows 8:19
